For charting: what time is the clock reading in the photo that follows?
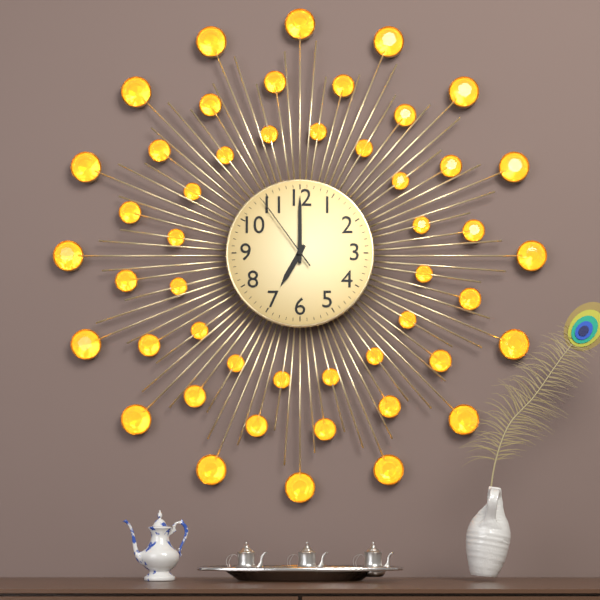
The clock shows 7:00:54
